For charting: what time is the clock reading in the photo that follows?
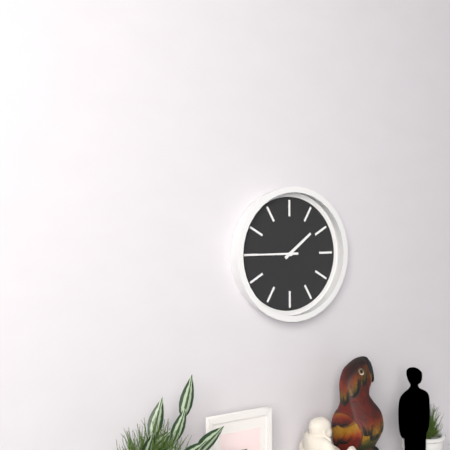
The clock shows 1:45
